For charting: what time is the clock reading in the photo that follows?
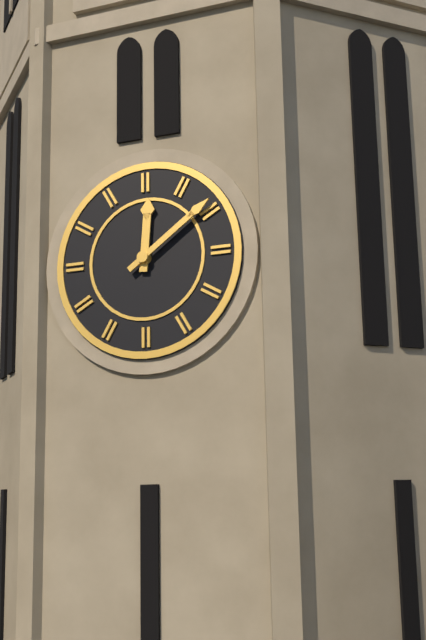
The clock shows 12:09
